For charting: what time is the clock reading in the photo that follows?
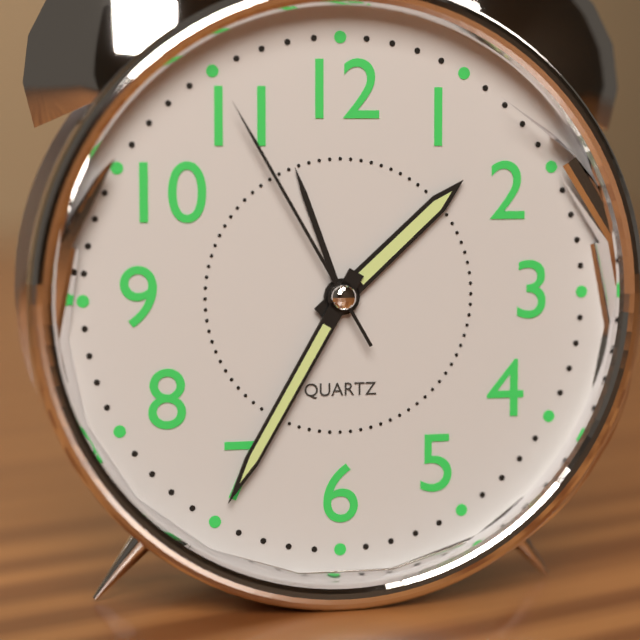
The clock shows 1:35:55
